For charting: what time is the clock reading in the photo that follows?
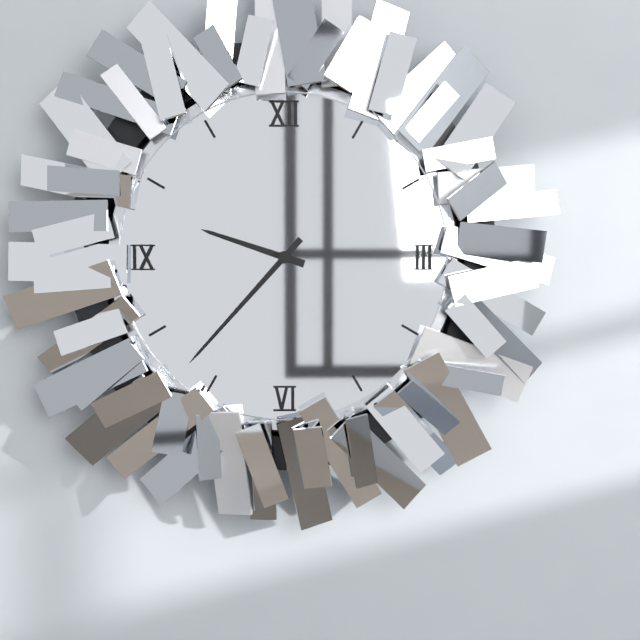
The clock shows 9:37
